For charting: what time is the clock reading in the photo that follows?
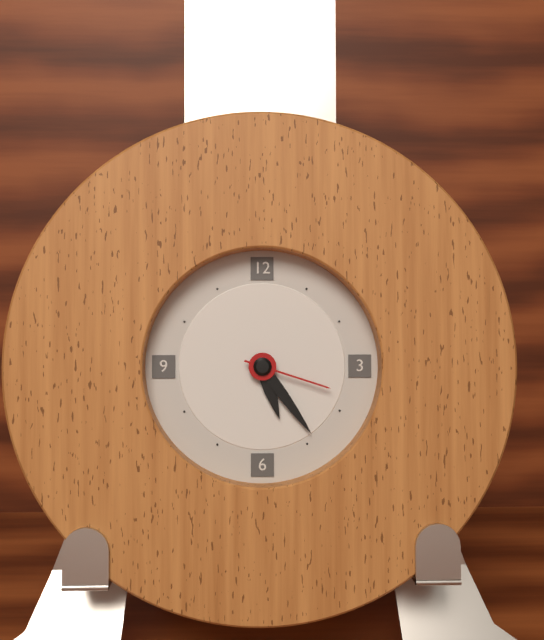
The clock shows 5:24:18
